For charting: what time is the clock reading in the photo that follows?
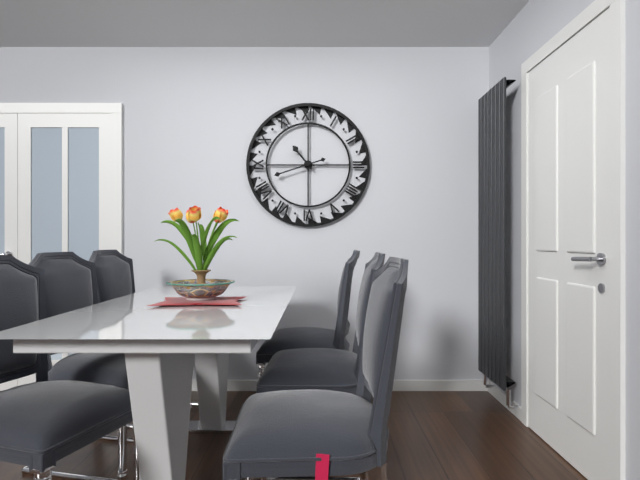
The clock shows 10:42
